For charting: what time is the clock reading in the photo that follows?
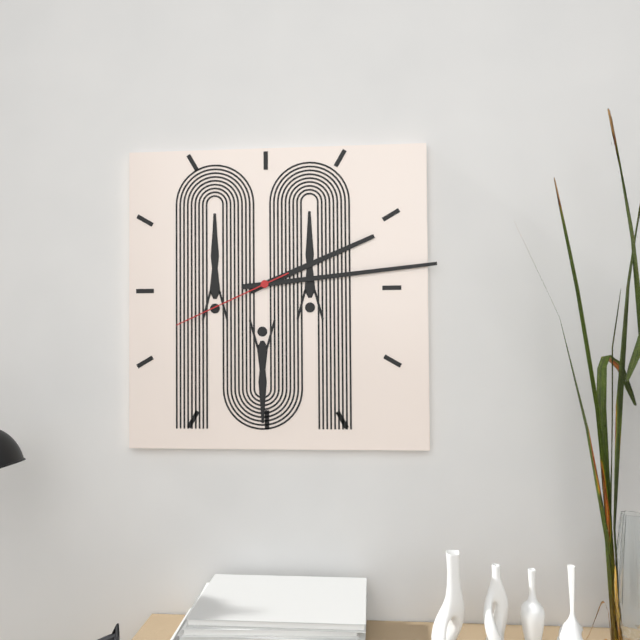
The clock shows 2:14:41
